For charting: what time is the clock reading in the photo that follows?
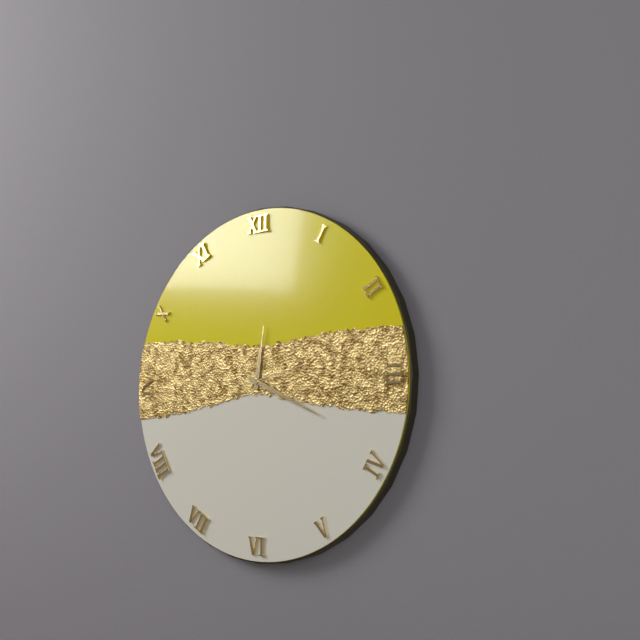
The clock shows 12:19:13
